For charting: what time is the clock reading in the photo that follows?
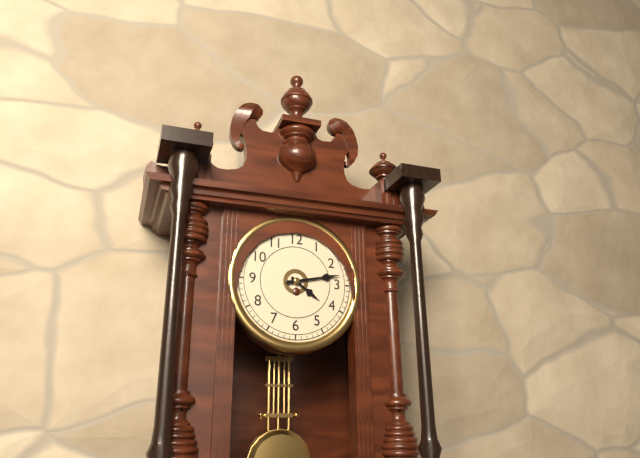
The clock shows 4:13
